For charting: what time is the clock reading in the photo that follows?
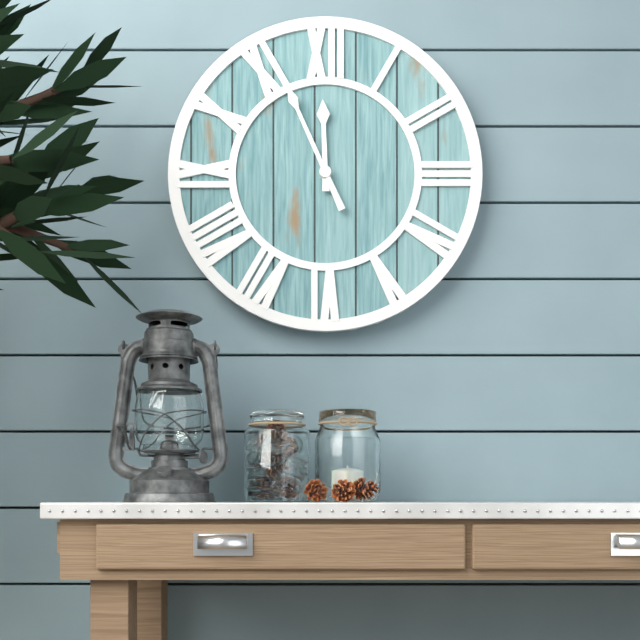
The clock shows 11:56
